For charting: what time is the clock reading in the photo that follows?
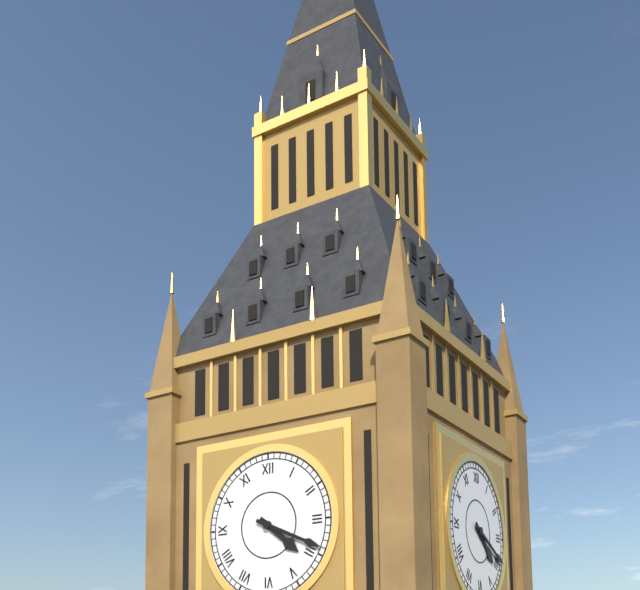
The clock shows 4:19
